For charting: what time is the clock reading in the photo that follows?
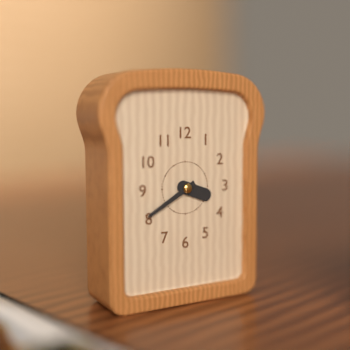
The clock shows 3:40
